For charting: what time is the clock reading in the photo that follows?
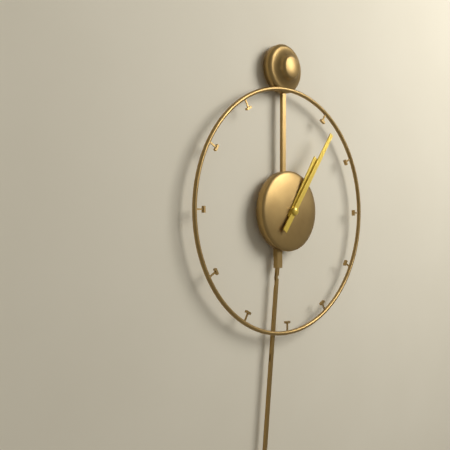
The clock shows 1:06
